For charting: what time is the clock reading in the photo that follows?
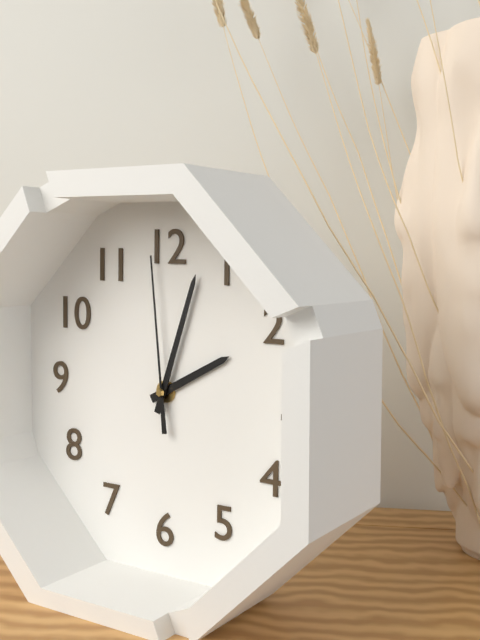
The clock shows 2:03:59
